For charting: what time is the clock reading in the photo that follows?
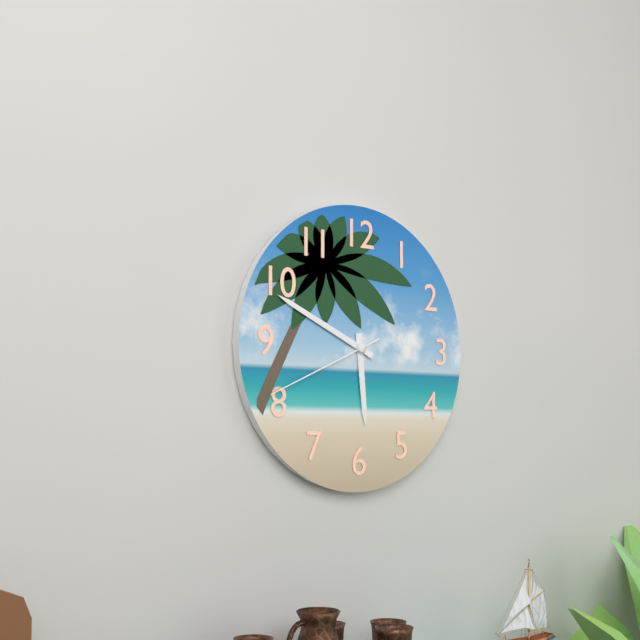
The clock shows 5:49:41
